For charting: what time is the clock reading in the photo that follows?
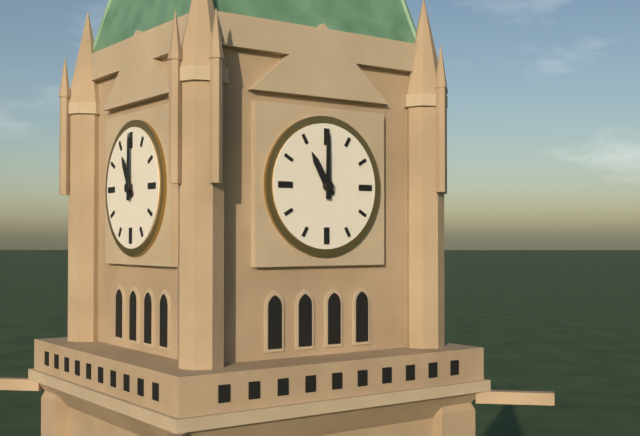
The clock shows 11:00
